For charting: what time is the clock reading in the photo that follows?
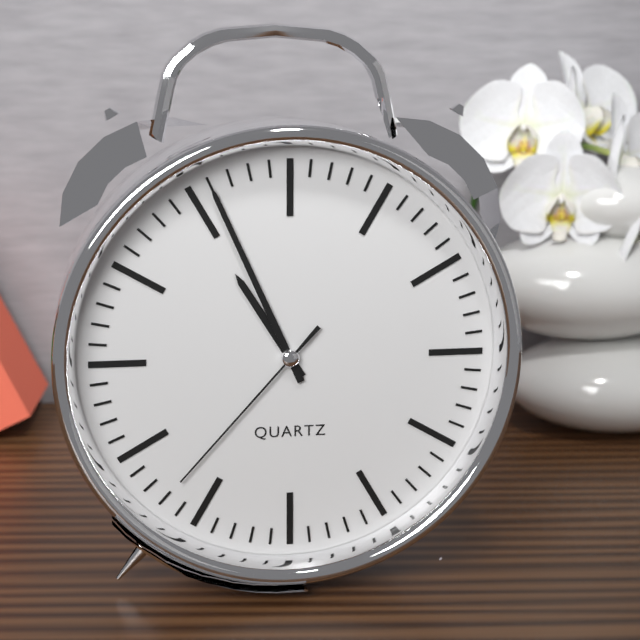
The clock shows 10:56:37
